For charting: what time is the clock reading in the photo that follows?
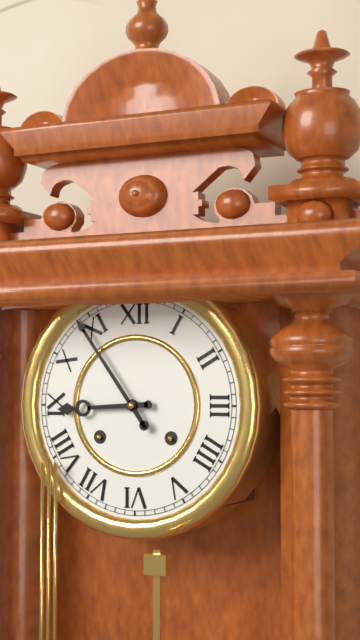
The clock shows 8:54
